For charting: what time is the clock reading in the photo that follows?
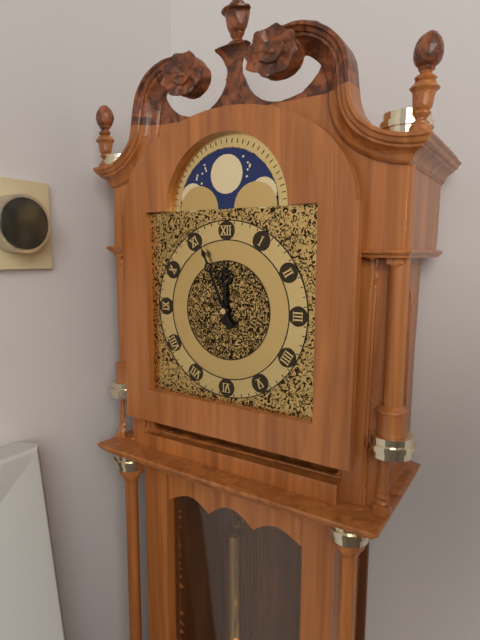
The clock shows 11:56
